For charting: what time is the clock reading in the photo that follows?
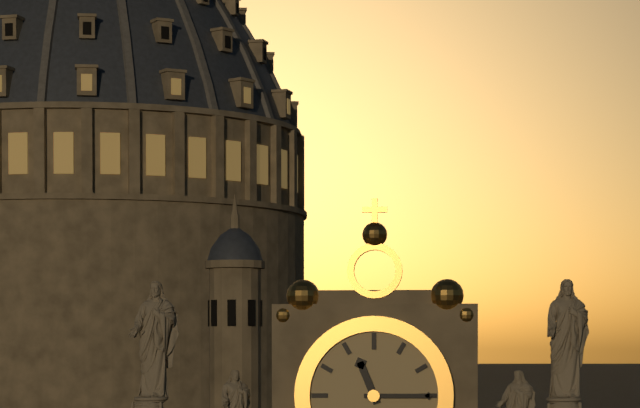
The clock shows 11:15
